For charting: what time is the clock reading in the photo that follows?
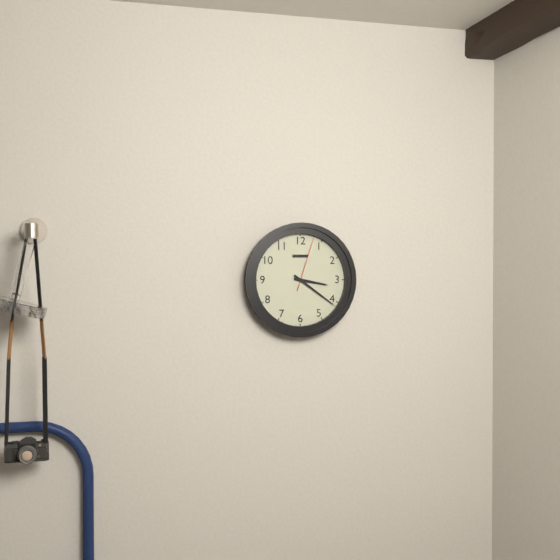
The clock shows 3:21:03
